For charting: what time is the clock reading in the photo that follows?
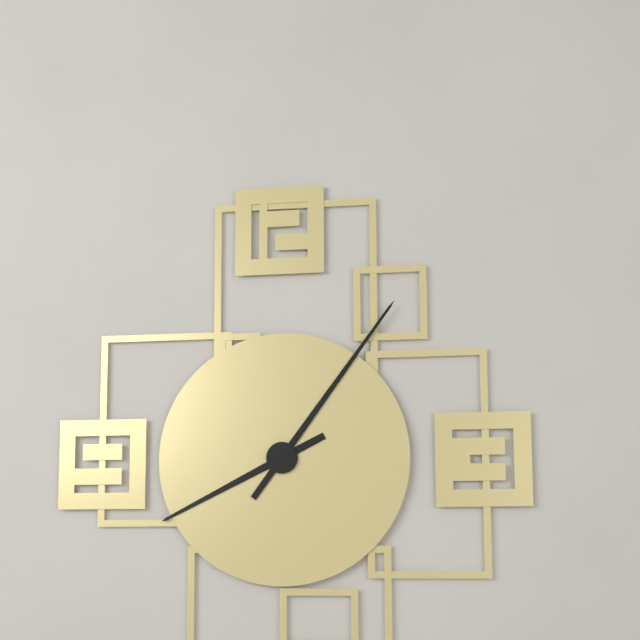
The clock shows 8:06
